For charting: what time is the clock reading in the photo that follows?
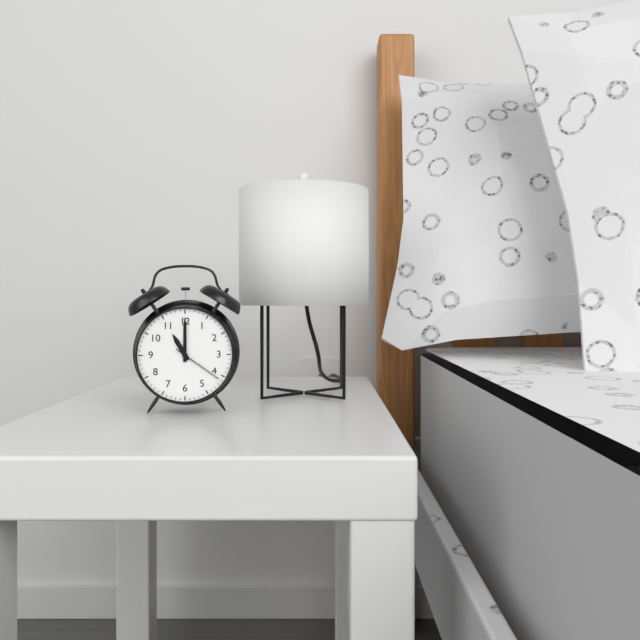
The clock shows 11:00:21
